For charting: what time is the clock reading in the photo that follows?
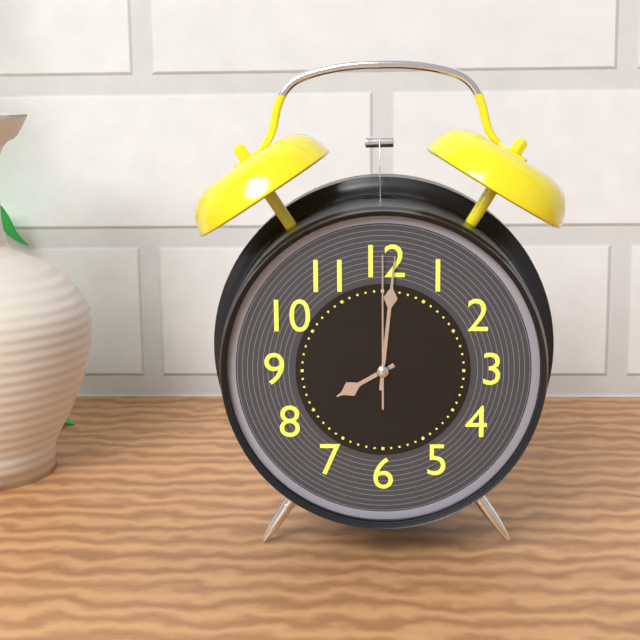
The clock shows 8:01:00
